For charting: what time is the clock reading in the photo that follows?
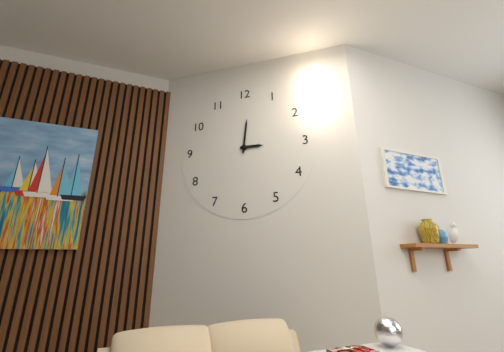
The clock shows 3:01
